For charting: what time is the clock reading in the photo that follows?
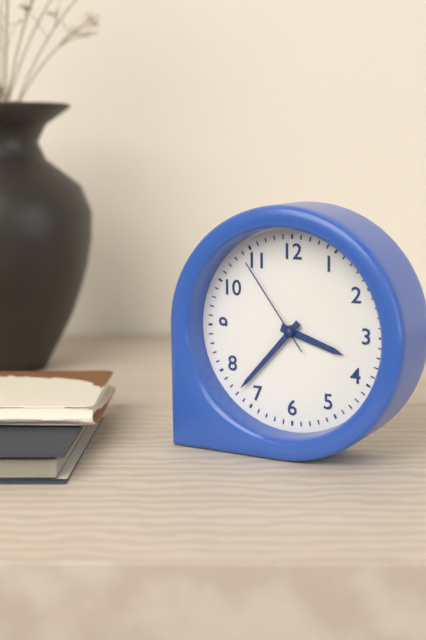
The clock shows 3:37:54
